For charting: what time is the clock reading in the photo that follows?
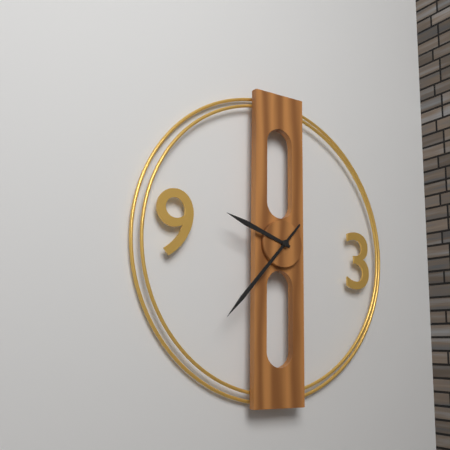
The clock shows 9:37
